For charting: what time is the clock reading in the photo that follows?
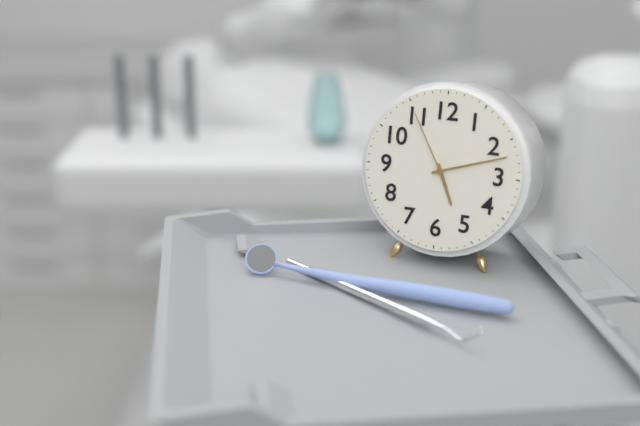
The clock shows 5:12:55
